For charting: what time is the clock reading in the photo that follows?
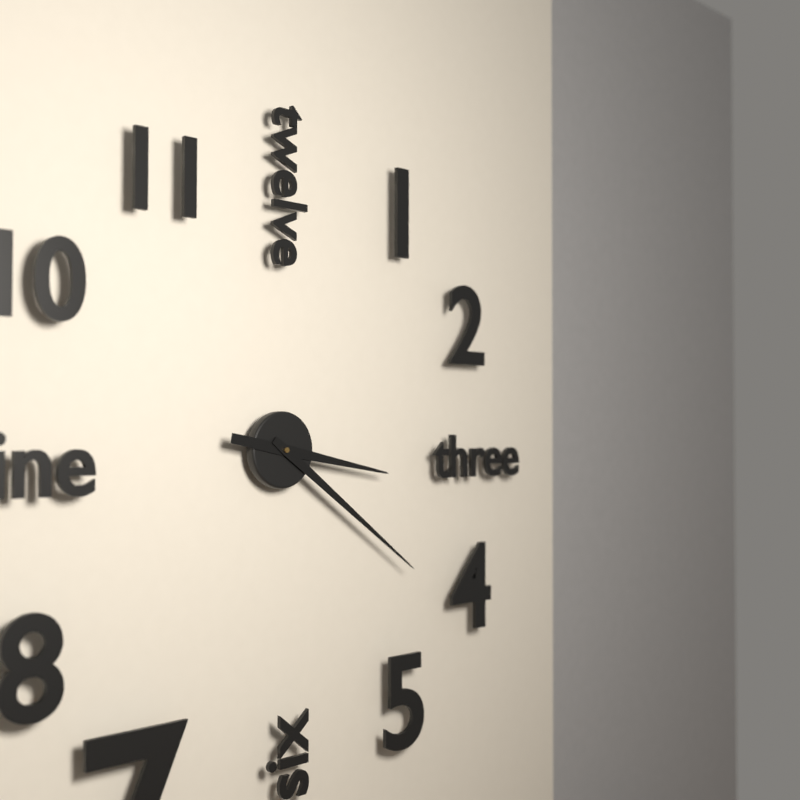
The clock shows 3:21
